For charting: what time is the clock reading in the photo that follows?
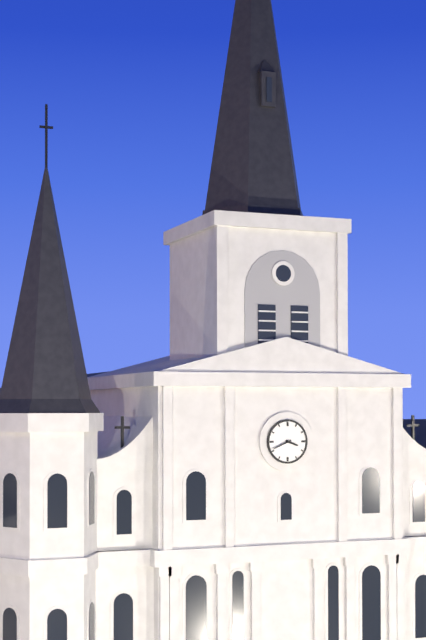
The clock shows 3:41
